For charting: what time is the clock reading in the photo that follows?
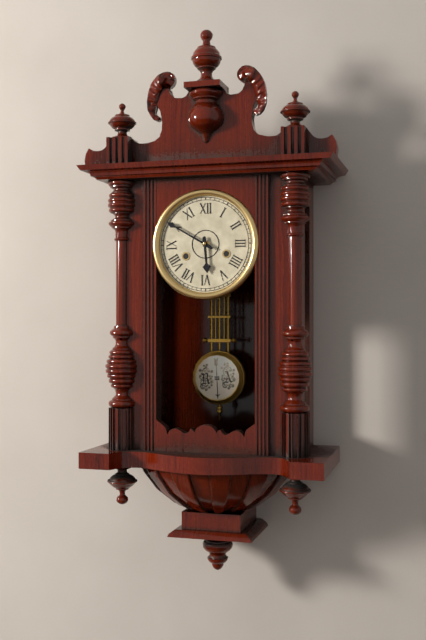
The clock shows 5:50
